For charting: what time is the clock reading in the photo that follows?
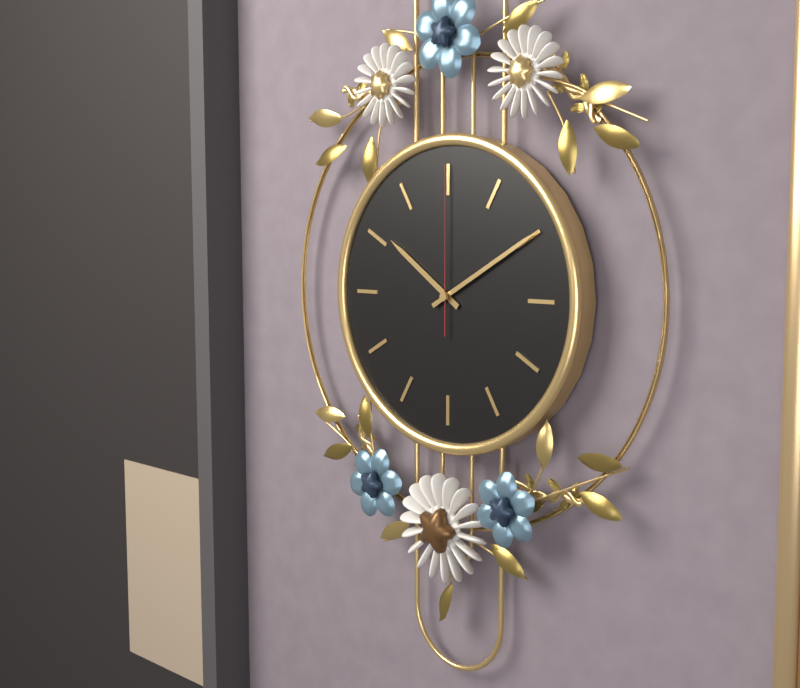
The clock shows 10:10:00
